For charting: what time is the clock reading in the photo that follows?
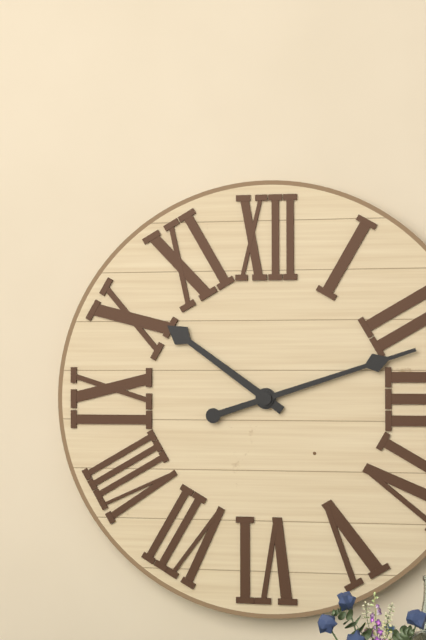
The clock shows 10:12
